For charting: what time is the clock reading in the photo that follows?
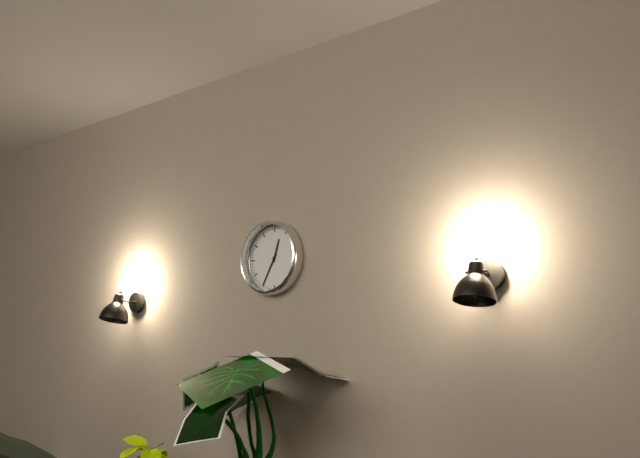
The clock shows 12:35
